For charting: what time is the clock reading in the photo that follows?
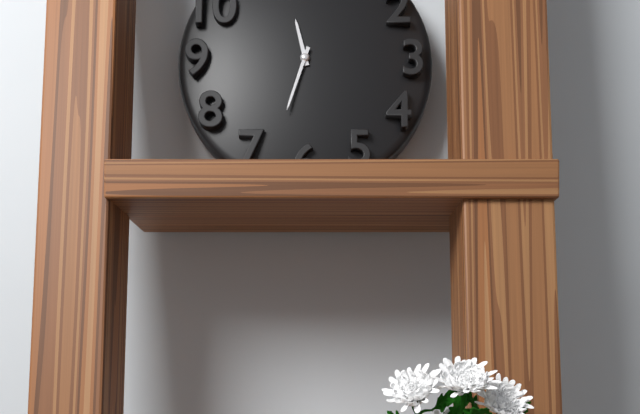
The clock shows 11:33
